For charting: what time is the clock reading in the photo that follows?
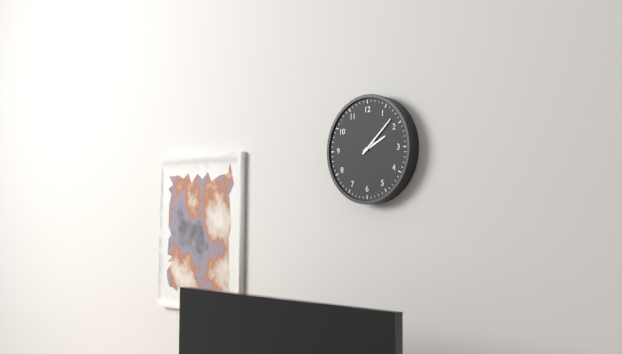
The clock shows 2:08
